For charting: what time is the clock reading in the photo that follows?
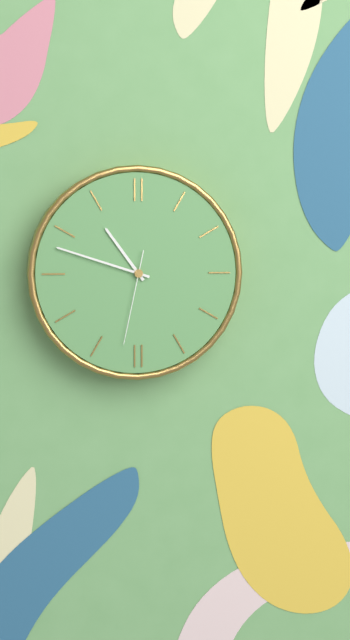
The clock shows 10:48:32
